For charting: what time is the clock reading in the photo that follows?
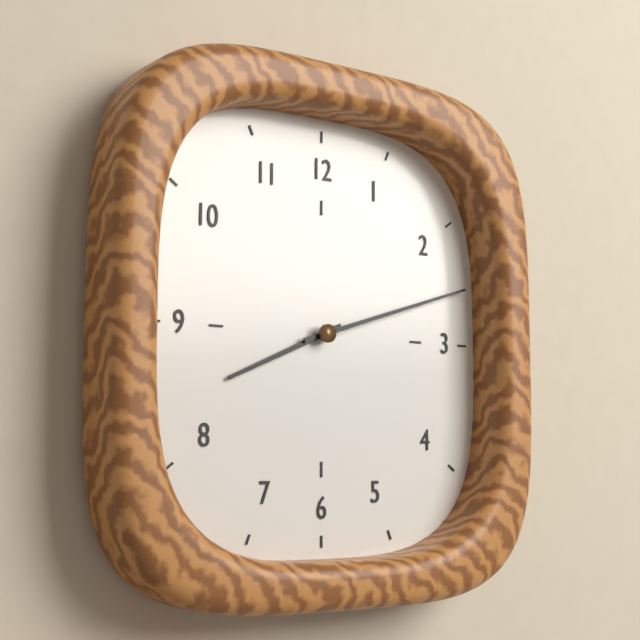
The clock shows 8:12
